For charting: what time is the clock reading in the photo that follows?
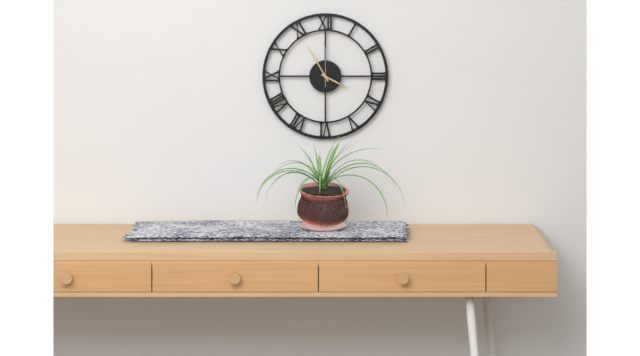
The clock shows 3:55
